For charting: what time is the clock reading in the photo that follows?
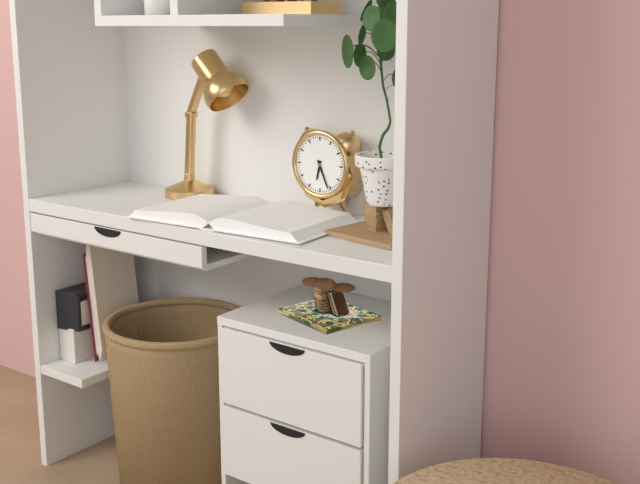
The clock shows 6:26
